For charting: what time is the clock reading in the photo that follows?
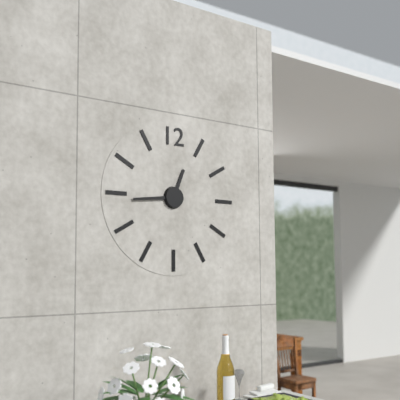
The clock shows 12:44
